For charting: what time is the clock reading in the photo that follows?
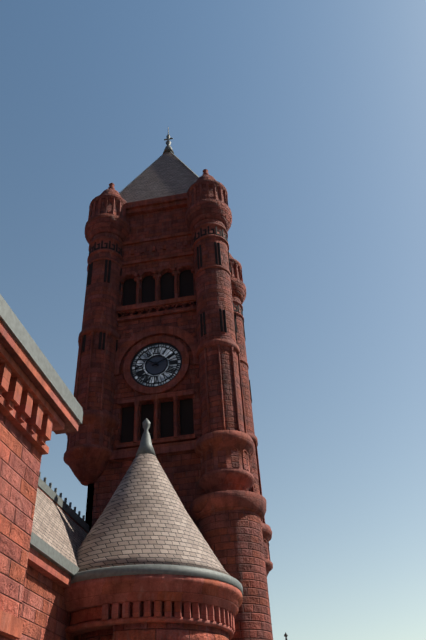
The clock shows 10:11
